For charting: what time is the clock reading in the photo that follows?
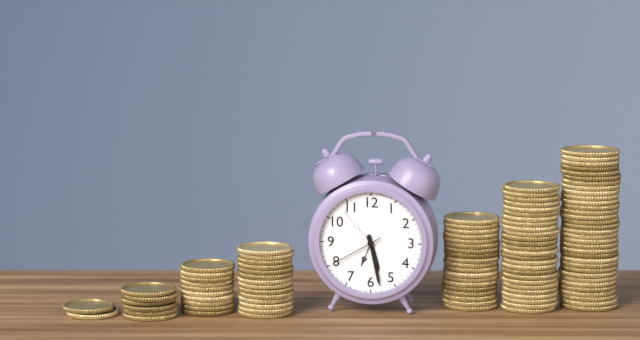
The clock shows 5:28:40
